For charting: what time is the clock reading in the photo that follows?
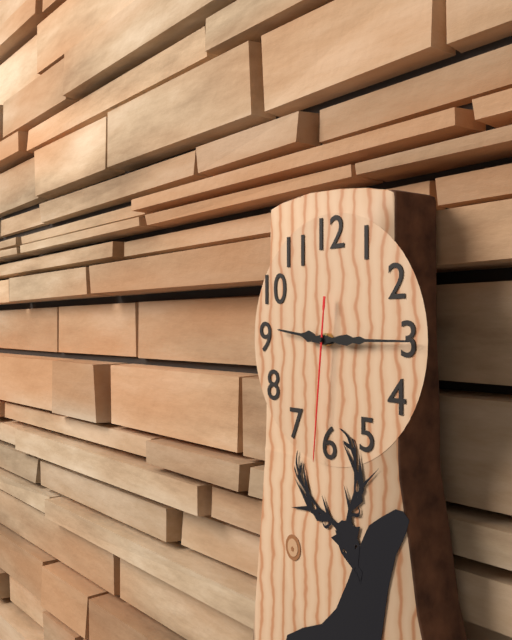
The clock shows 9:15:31
